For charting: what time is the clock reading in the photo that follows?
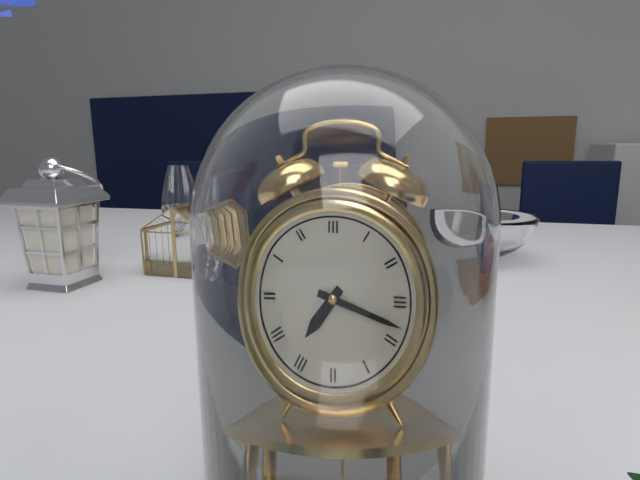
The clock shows 7:18
